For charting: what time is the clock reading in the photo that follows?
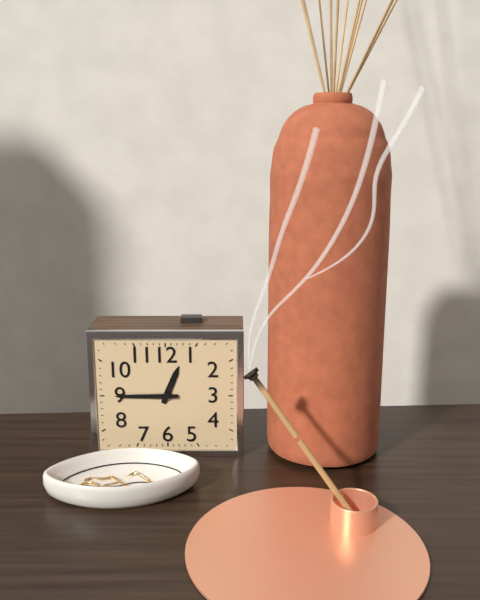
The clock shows 12:45
